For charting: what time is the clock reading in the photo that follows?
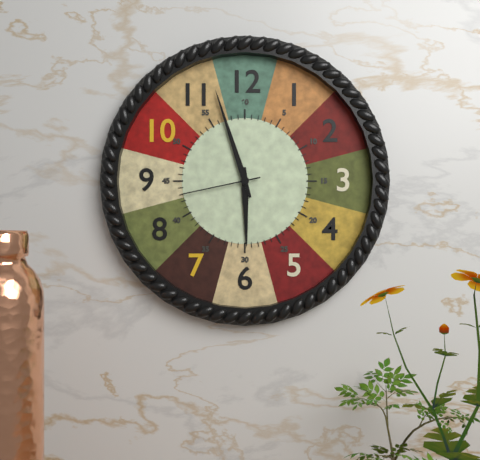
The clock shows 5:57:43
